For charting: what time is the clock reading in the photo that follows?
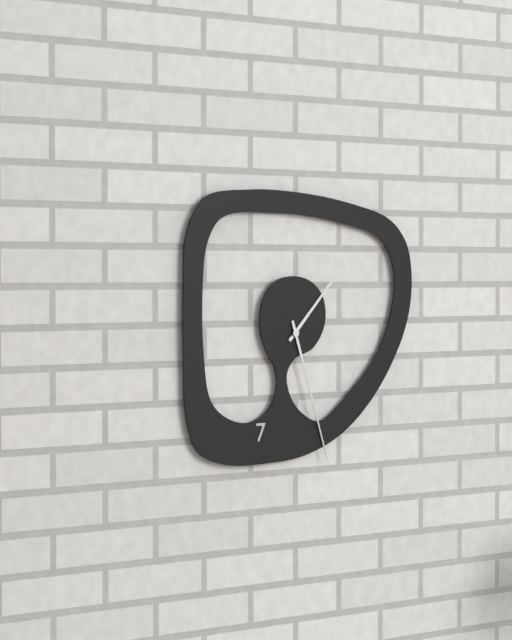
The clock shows 1:27
